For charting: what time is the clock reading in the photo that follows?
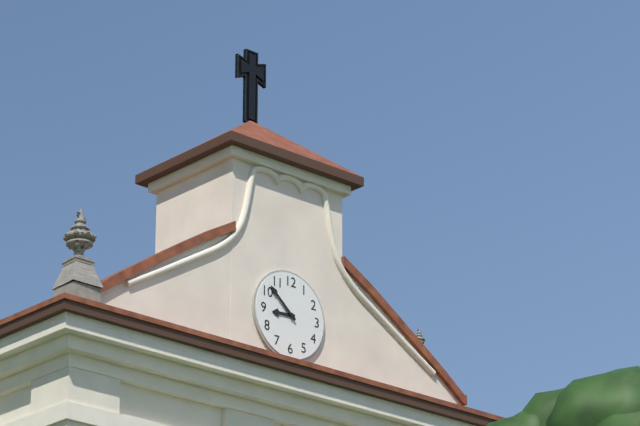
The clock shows 8:52
